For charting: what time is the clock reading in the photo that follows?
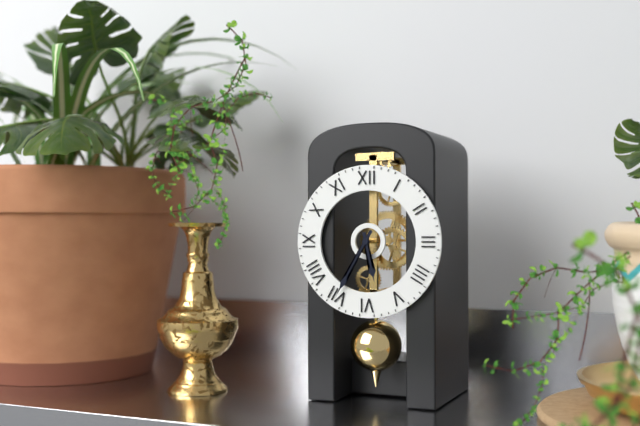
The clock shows 5:35
